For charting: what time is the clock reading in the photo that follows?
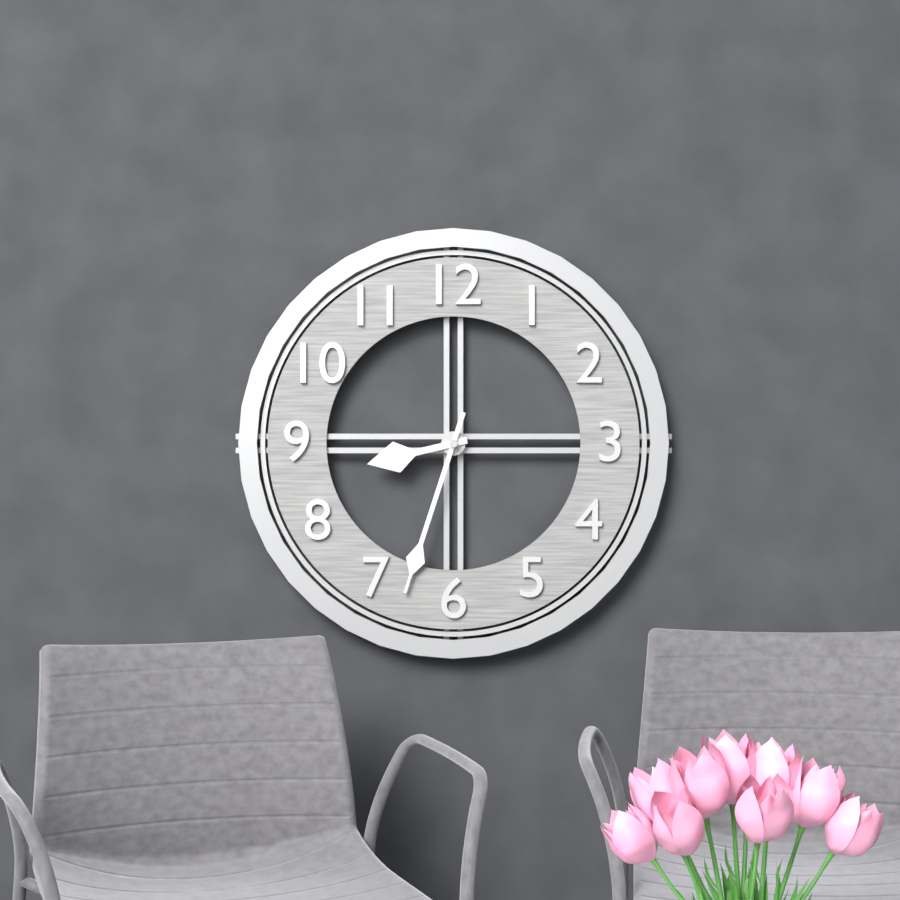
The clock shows 8:33
